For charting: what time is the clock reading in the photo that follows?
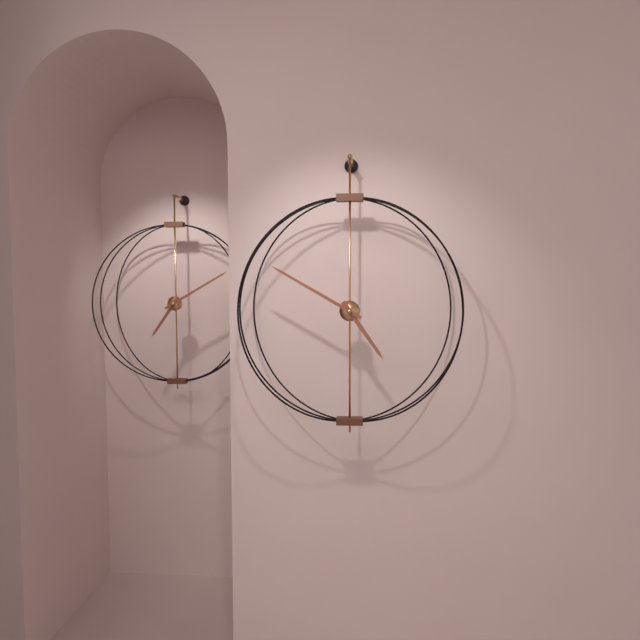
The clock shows 4:50
